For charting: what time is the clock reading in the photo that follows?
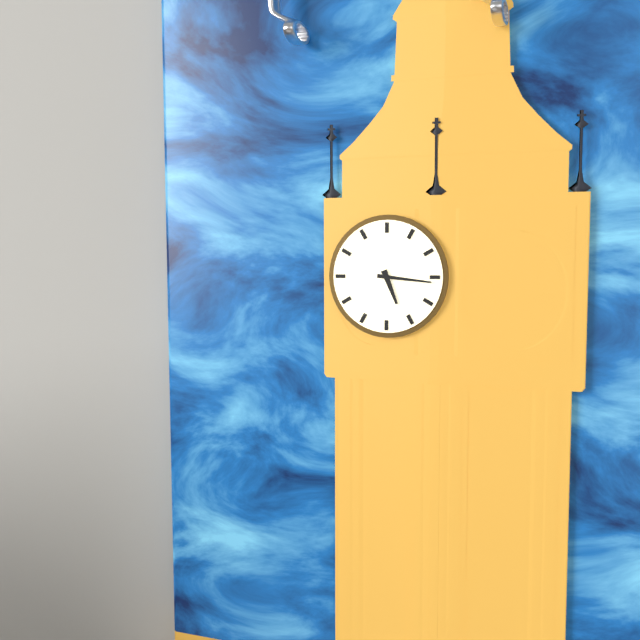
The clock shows 5:16
